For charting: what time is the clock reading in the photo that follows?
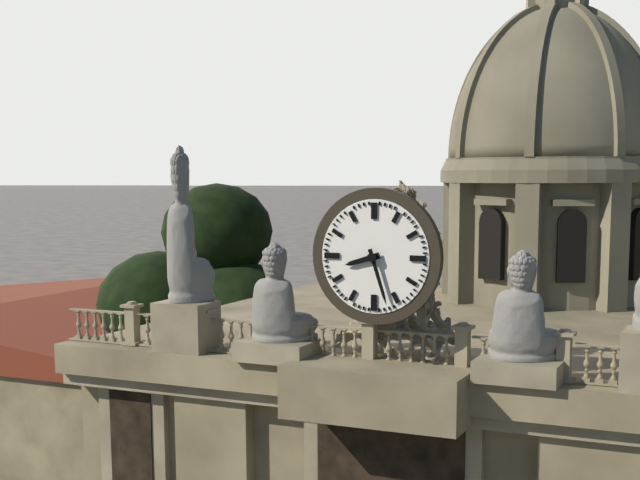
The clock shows 8:27
